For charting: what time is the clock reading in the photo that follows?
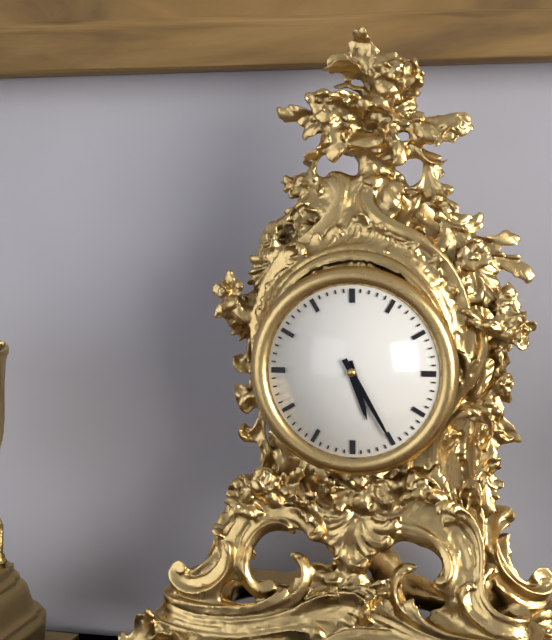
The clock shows 5:25
